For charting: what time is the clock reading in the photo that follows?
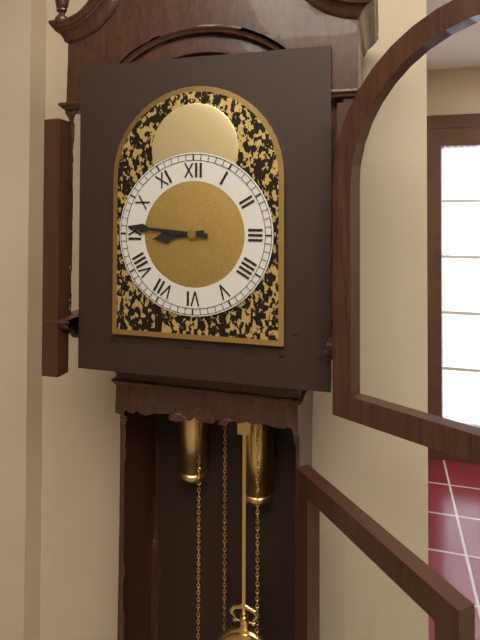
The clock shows 8:46
